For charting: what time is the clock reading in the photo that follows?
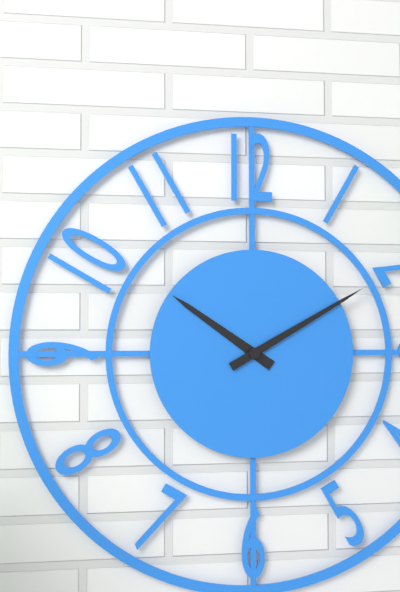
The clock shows 10:10
